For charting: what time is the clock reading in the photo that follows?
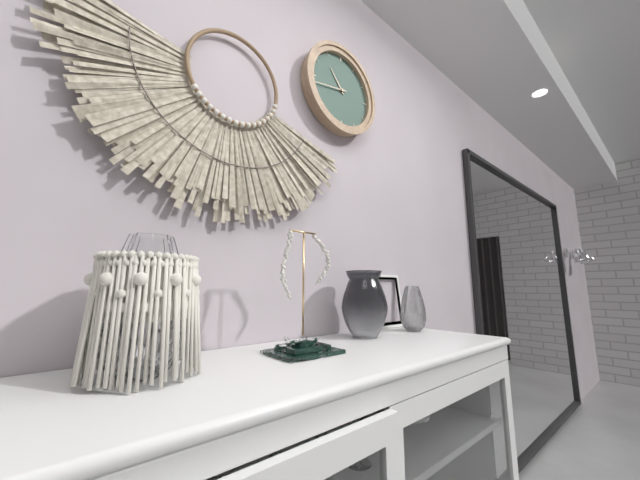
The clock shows 10:43
